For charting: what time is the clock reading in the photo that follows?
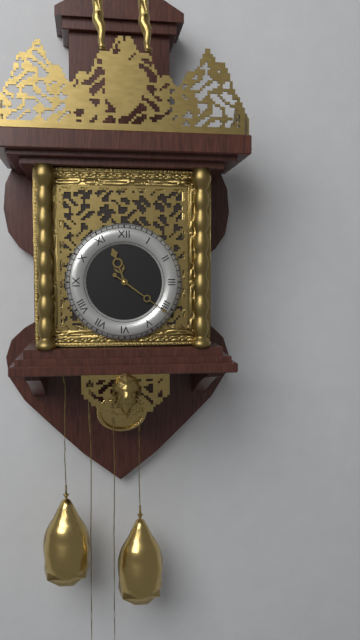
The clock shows 11:21
